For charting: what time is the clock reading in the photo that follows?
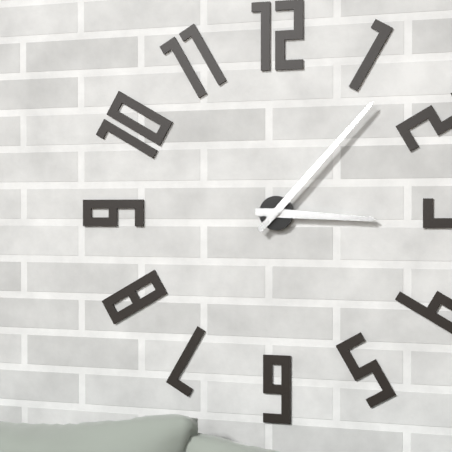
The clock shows 3:07
